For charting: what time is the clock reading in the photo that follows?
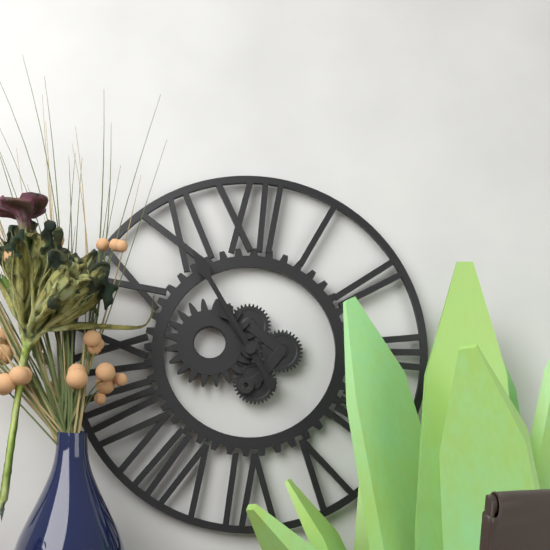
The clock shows 10:55
